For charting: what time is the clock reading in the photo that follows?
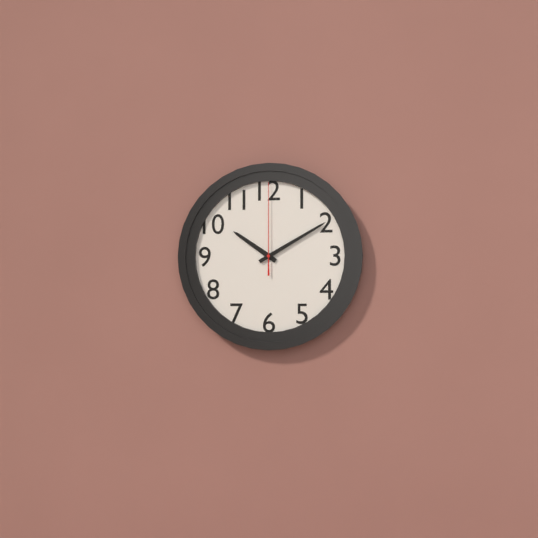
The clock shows 10:10:00
